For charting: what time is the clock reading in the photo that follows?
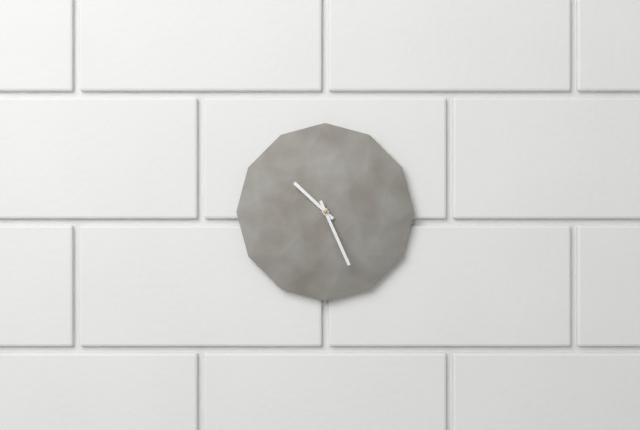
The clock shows 10:26
